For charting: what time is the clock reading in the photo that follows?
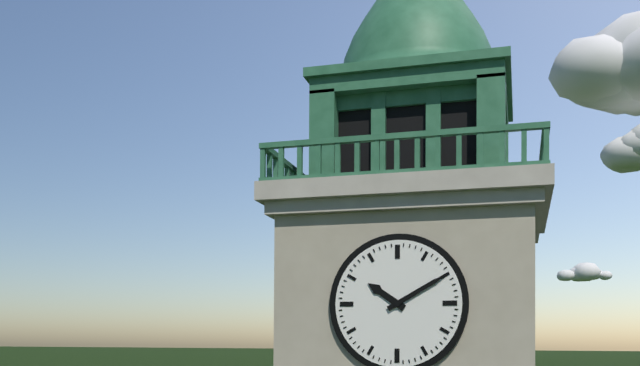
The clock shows 10:10
